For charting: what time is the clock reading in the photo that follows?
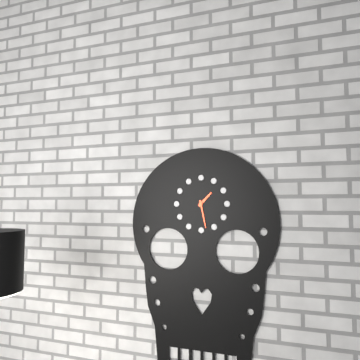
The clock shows 1:28
